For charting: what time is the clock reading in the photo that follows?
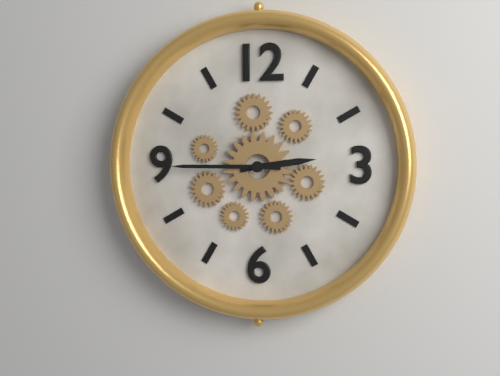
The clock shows 2:45
